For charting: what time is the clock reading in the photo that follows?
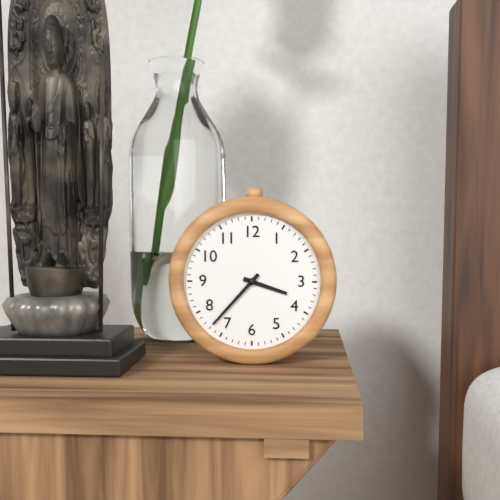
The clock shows 3:37
